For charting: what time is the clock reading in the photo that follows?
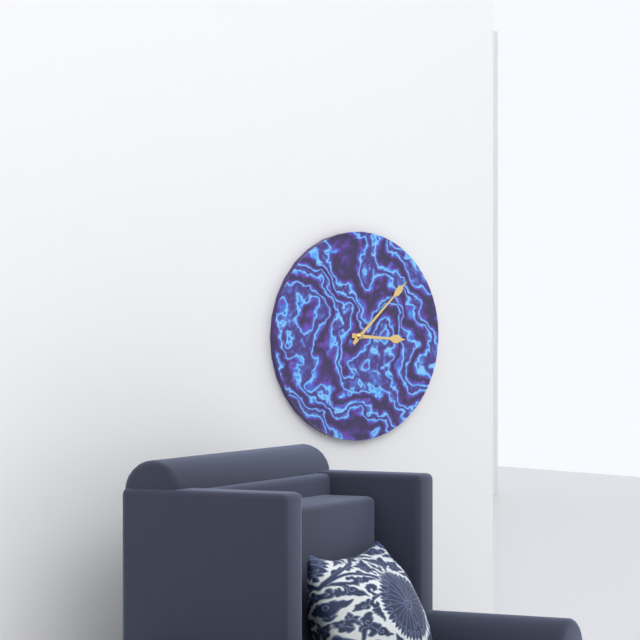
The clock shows 3:08
